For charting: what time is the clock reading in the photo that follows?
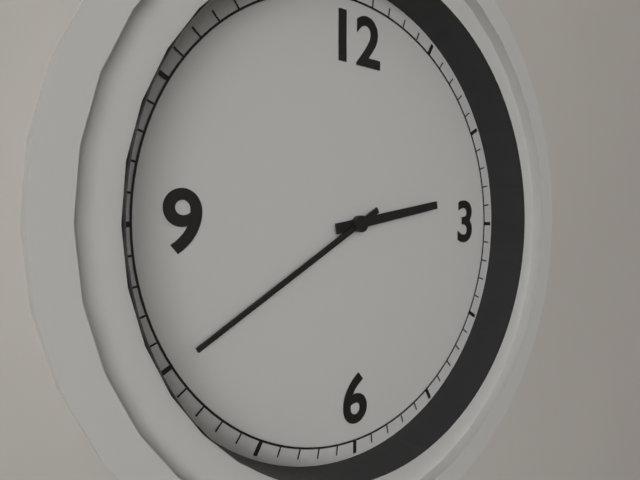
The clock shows 2:40
